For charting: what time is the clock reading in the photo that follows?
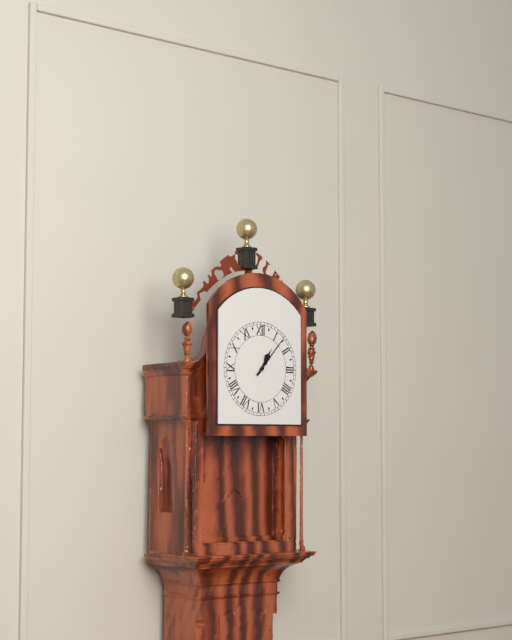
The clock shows 1:07
